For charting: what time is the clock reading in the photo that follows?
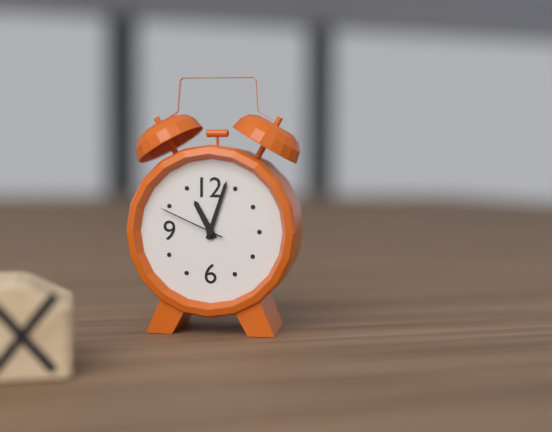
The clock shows 11:03:49
